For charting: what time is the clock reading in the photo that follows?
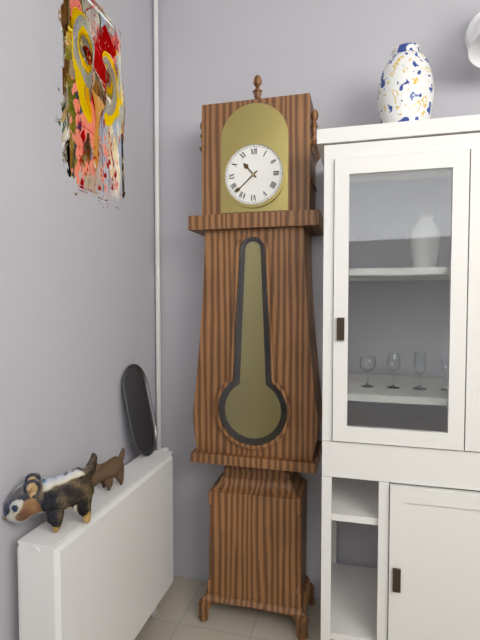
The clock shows 10:38
